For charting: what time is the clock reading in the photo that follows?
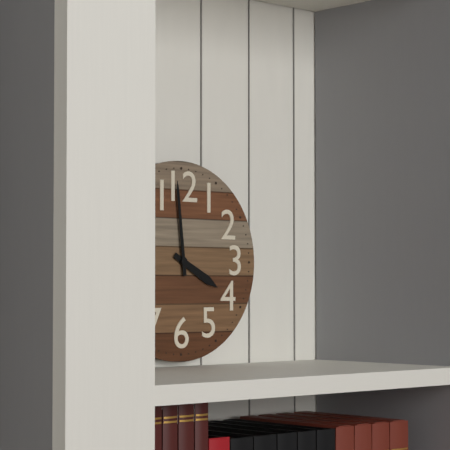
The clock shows 3:59
